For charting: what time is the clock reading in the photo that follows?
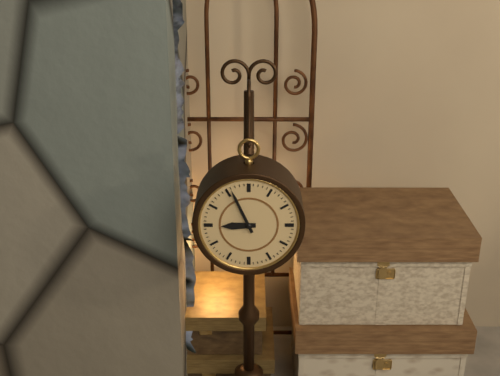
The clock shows 8:56
